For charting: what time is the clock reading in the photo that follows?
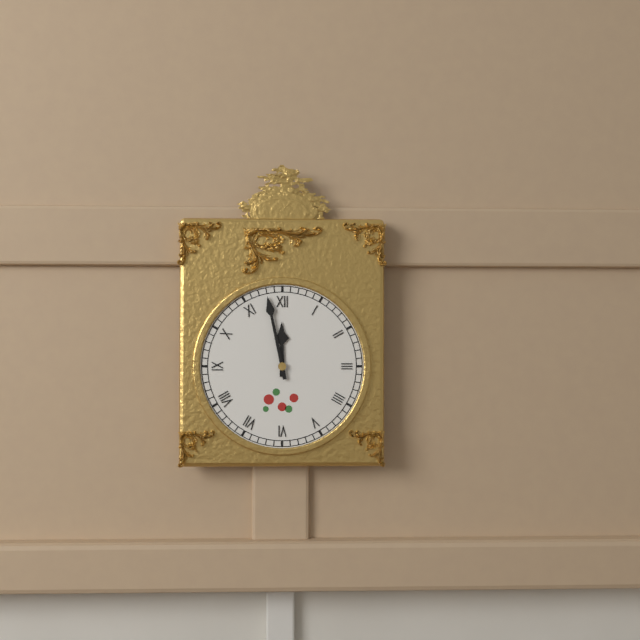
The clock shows 11:58
